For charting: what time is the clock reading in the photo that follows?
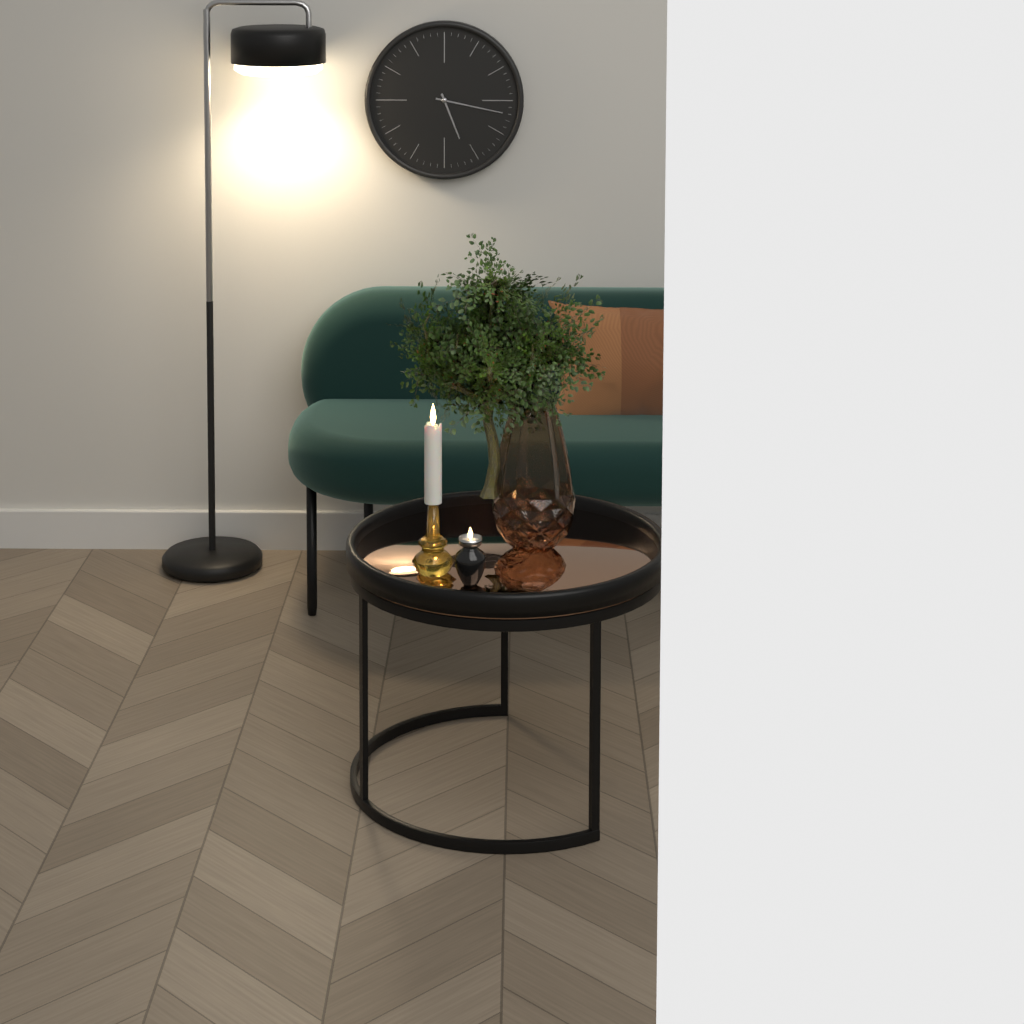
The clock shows 5:17
